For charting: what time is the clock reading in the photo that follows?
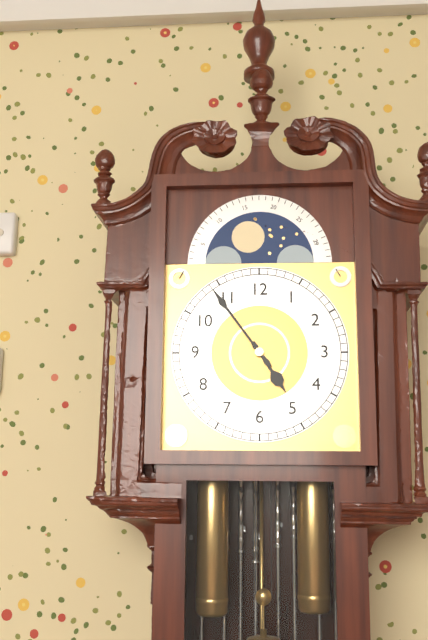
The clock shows 4:54
